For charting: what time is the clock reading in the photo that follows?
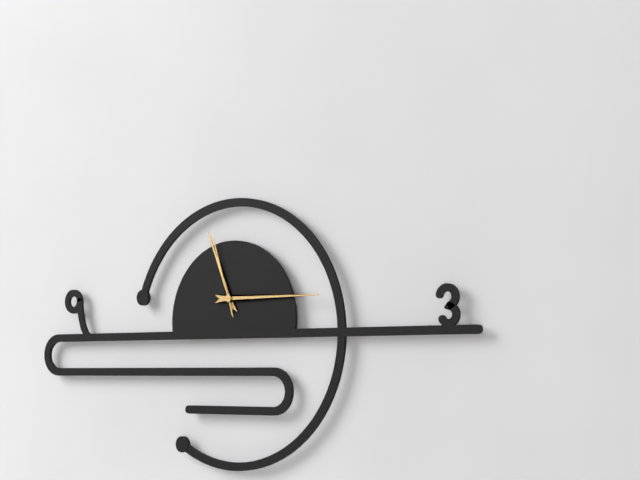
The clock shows 11:15:57
